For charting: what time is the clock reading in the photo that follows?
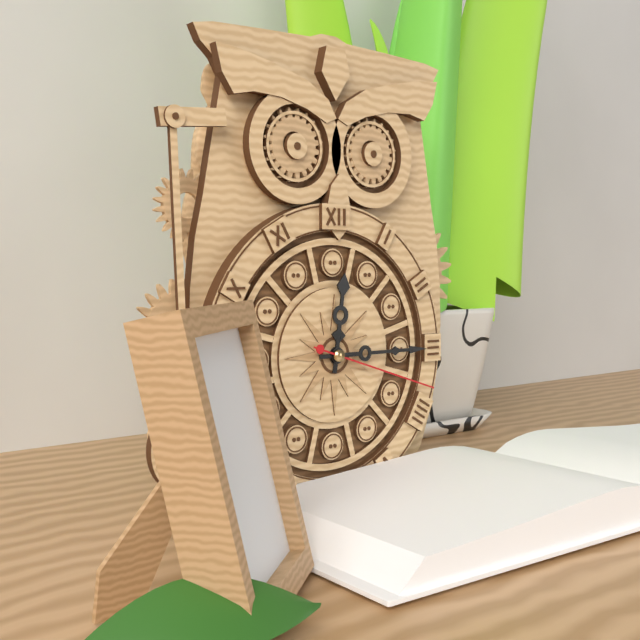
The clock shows 12:15:18
